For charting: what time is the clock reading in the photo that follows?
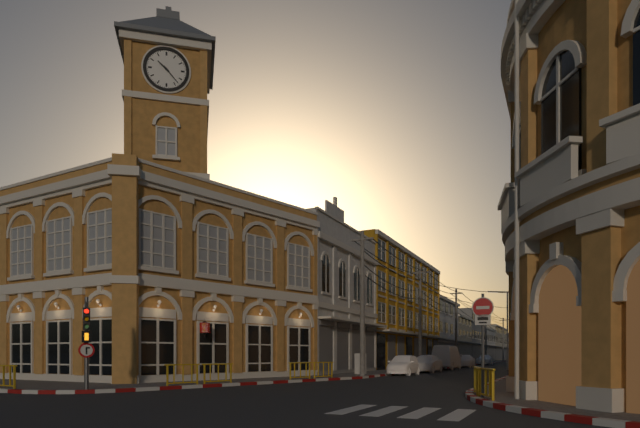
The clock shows 10:23
